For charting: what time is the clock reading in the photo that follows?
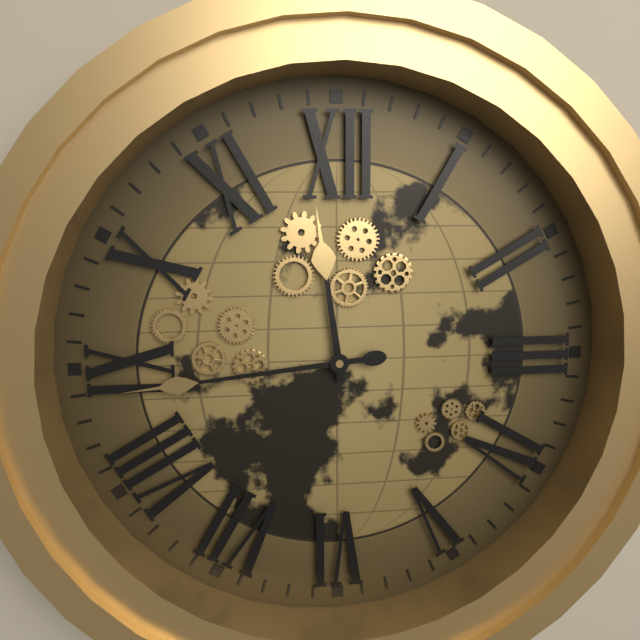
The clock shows 11:44
